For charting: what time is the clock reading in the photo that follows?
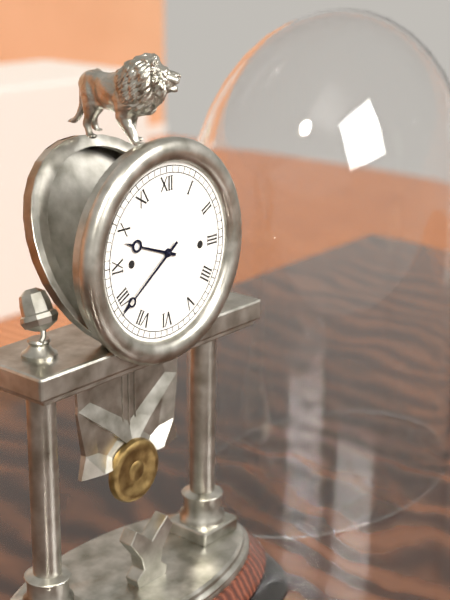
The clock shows 9:39
